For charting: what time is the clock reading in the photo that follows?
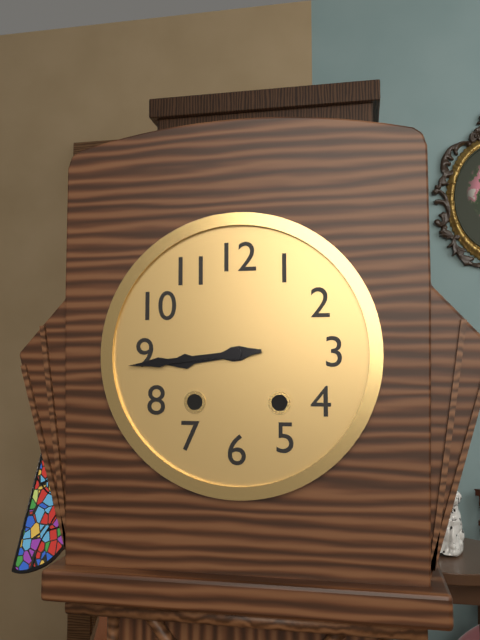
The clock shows 8:44
